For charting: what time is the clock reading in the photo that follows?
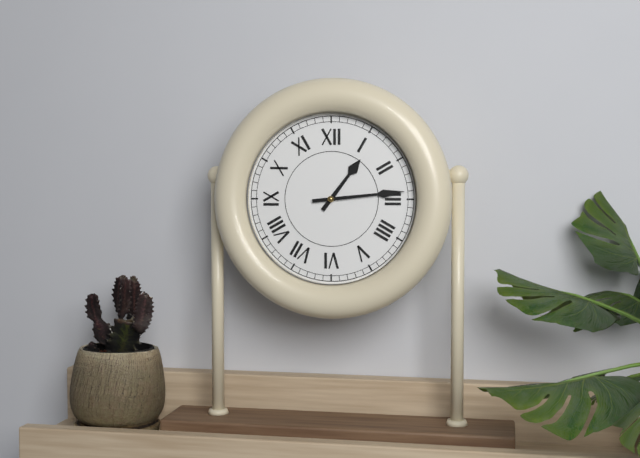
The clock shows 1:14
